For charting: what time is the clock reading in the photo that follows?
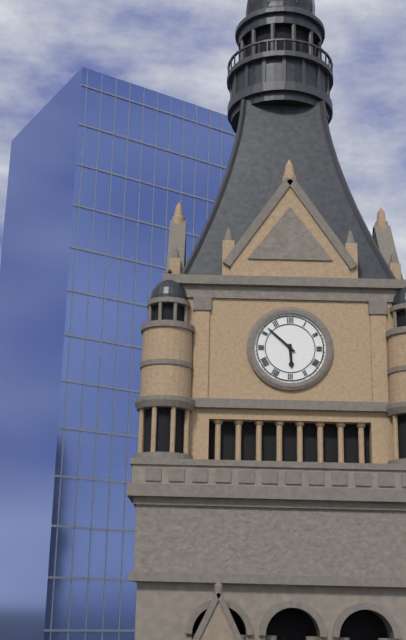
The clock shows 5:52
